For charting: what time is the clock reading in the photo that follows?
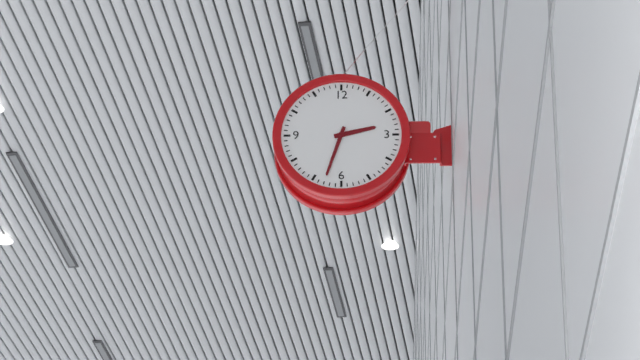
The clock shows 2:33
